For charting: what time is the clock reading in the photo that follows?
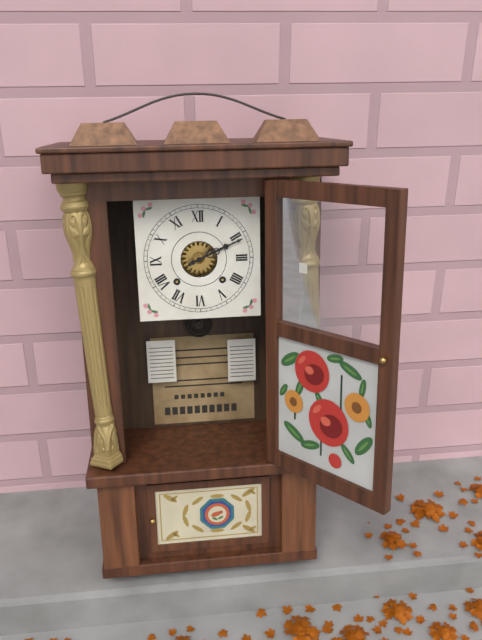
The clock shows 2:11
